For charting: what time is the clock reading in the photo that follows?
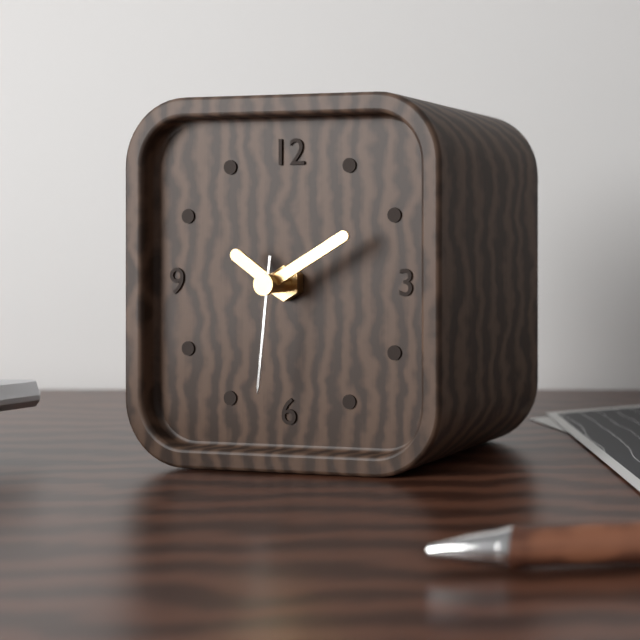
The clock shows 10:10:31
